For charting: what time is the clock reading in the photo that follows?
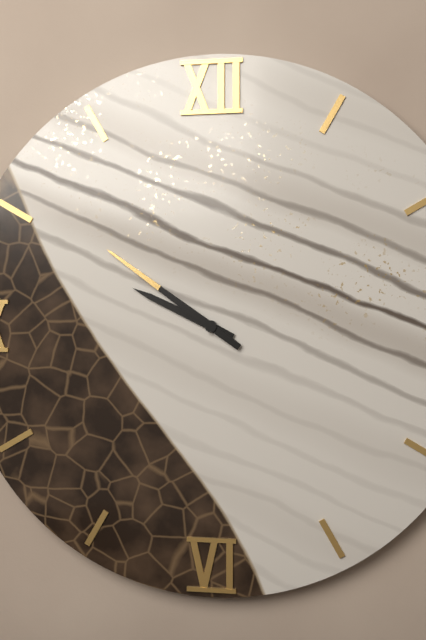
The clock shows 9:51
